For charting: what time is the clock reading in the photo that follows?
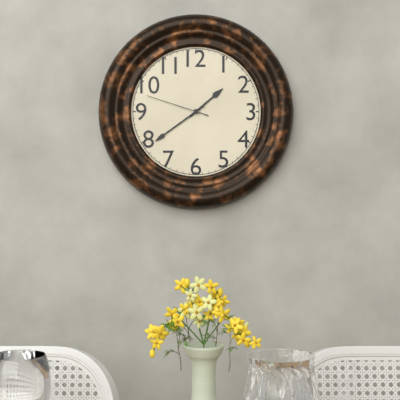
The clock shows 1:39:48
